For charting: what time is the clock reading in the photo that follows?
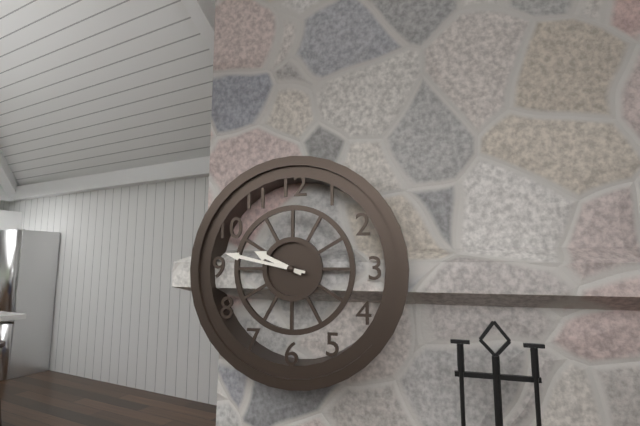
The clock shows 9:47
